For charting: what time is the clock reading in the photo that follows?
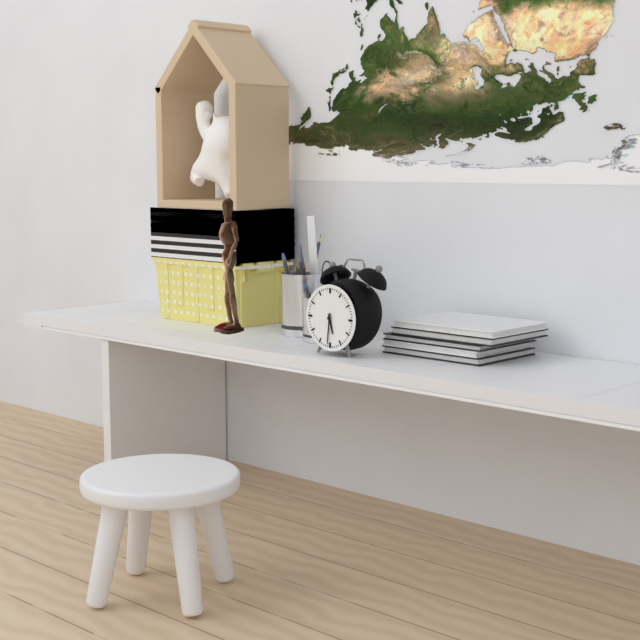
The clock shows 5:31
